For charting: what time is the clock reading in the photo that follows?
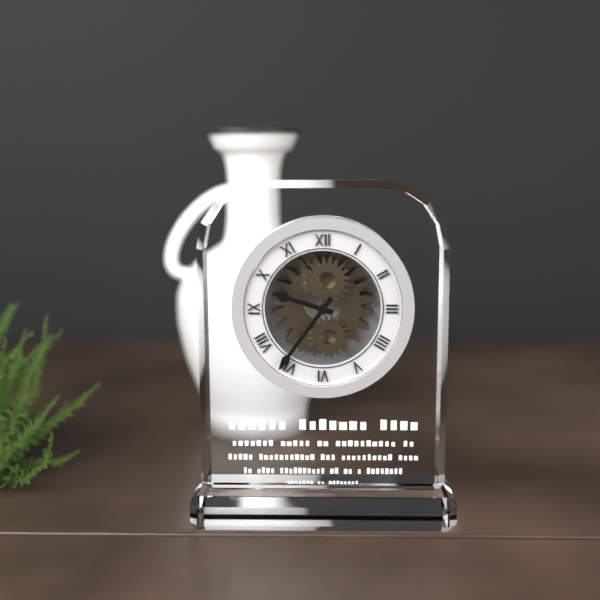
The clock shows 9:36
